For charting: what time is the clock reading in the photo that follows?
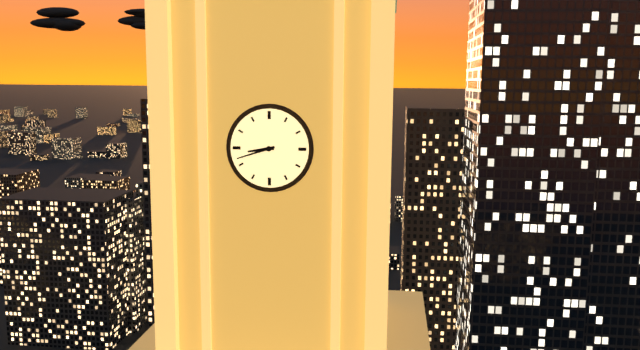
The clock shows 8:42
